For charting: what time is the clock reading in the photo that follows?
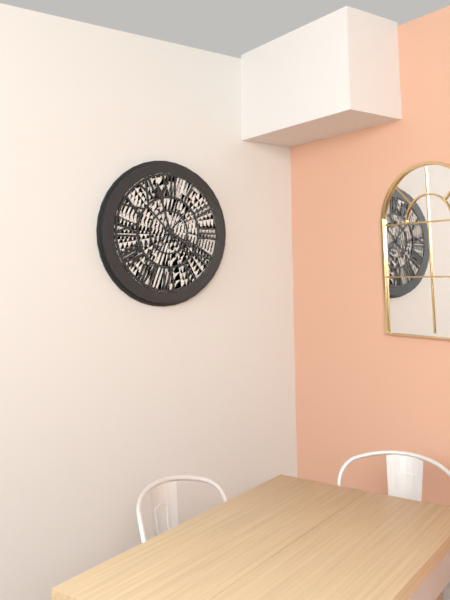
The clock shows 3:57
